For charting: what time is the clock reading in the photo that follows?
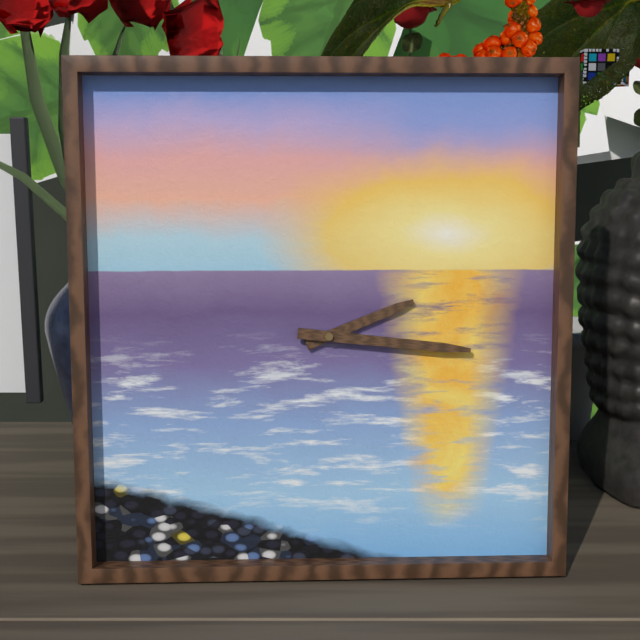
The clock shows 2:16
